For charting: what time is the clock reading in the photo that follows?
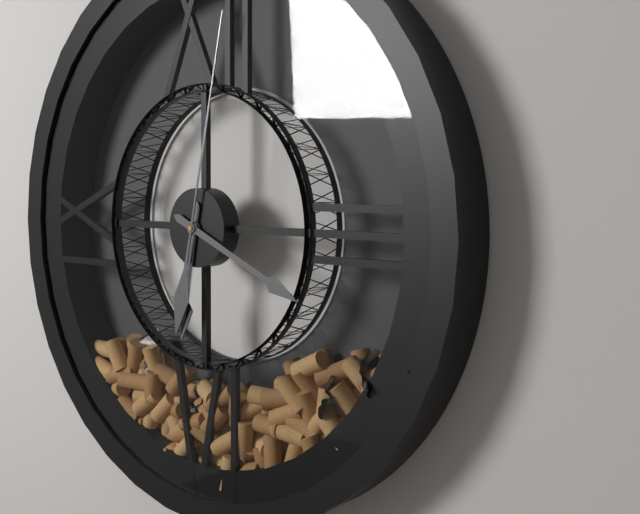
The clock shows 6:19:02
